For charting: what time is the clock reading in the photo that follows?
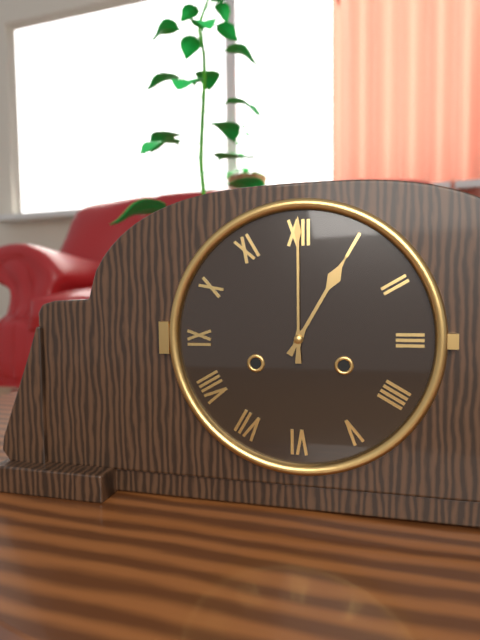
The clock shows 1:00
